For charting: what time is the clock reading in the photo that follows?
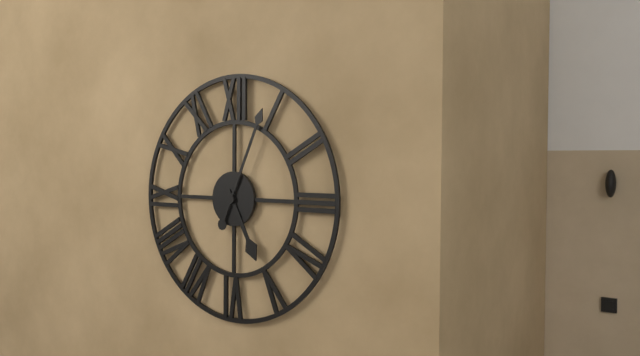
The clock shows 5:04
